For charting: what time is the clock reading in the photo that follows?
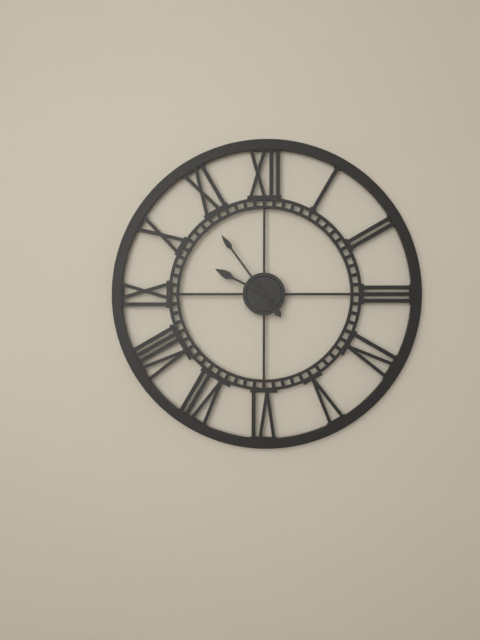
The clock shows 9:54
